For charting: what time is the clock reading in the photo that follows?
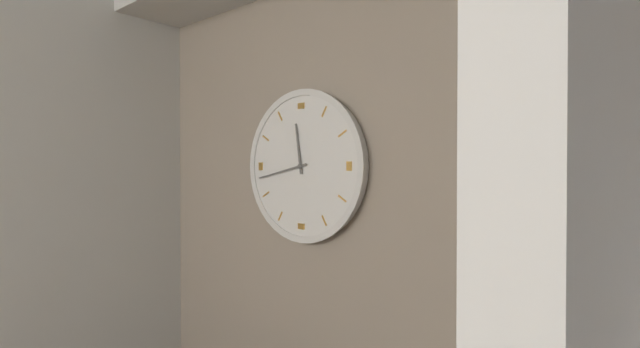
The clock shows 11:43
